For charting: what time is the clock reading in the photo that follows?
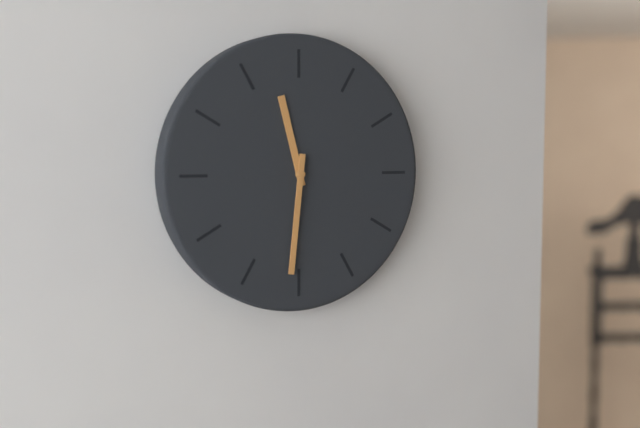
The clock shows 11:31
